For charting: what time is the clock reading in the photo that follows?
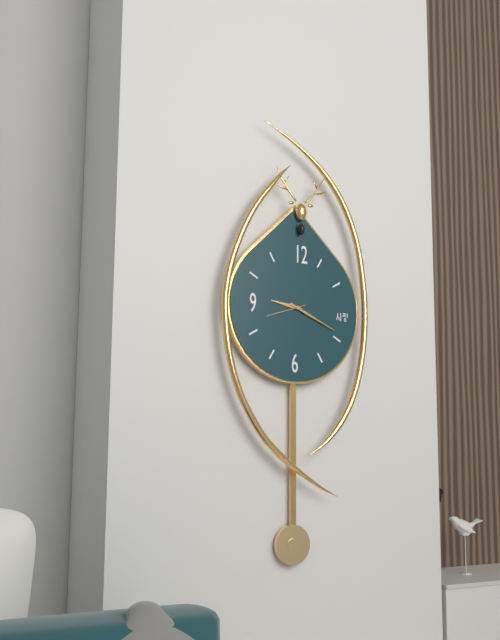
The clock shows 9:19
